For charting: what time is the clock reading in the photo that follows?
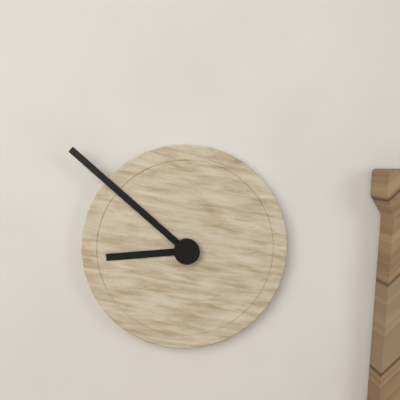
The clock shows 8:52
